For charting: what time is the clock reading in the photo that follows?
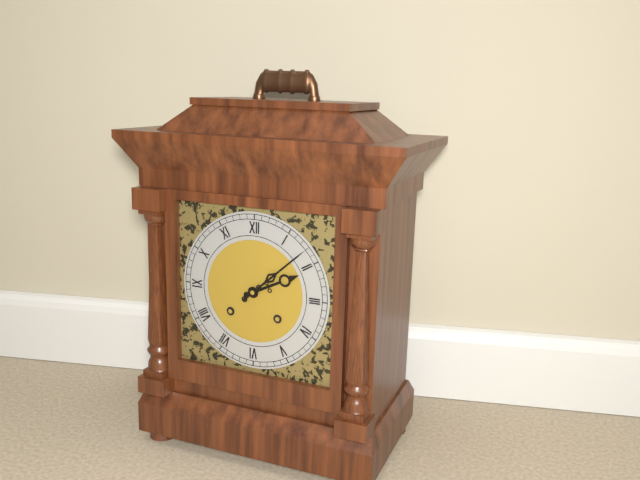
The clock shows 2:08
